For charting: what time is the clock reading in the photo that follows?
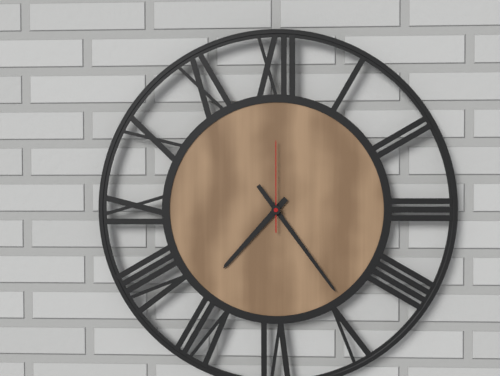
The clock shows 7:24:00
